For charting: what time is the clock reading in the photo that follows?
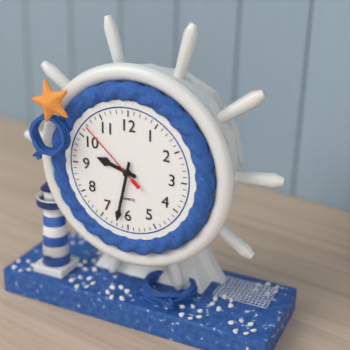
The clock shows 9:32:52
